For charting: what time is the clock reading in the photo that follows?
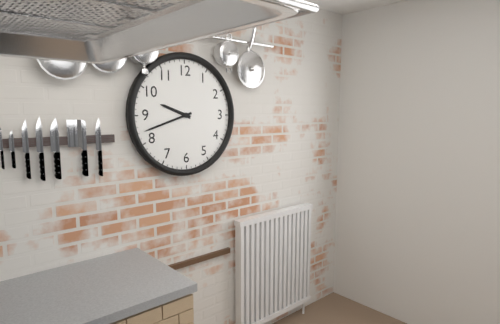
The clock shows 9:42
